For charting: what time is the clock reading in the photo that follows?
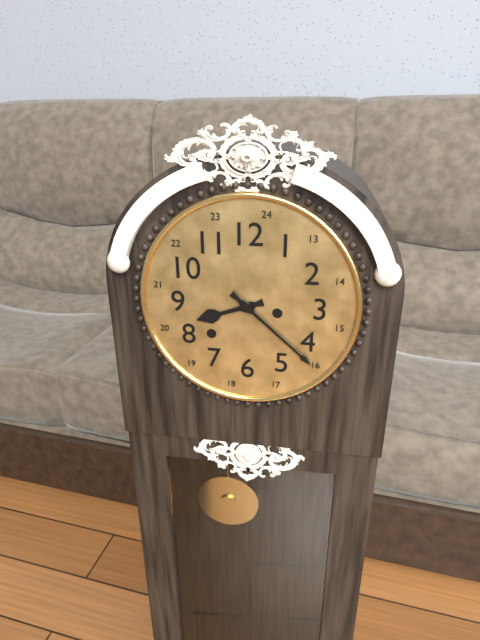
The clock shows 8:22
